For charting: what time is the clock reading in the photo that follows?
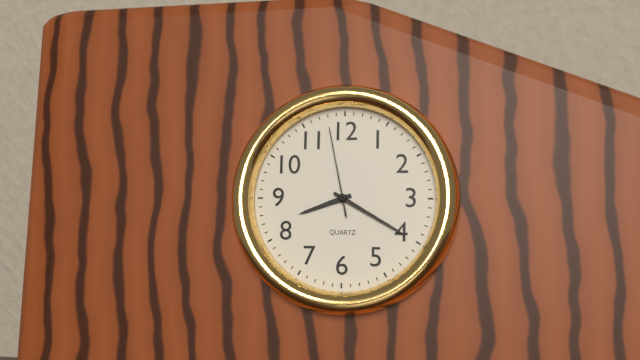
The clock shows 8:20:58
